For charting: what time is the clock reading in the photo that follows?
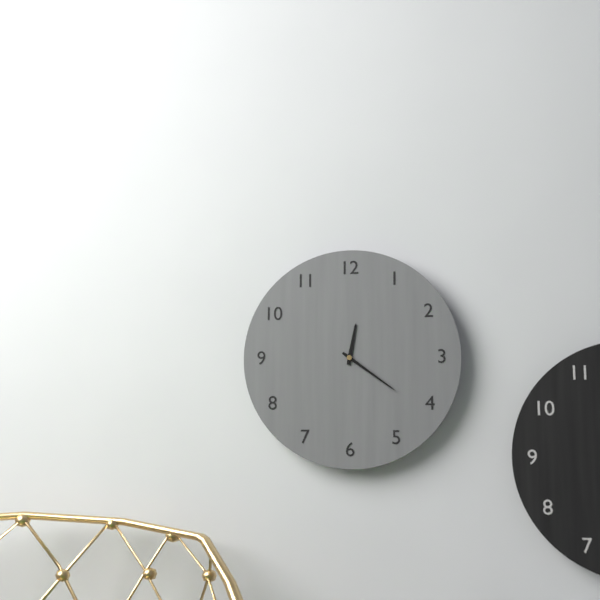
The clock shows 12:21
